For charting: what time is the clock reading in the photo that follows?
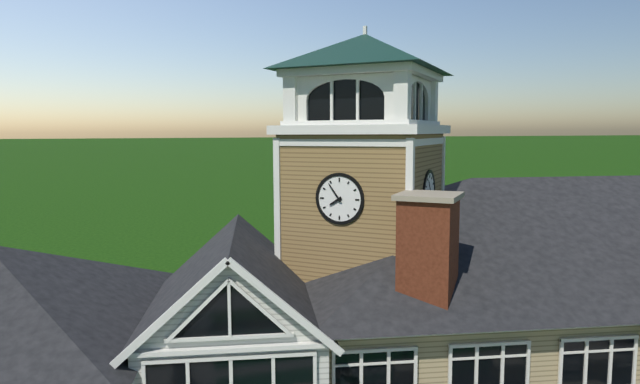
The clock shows 7:54
